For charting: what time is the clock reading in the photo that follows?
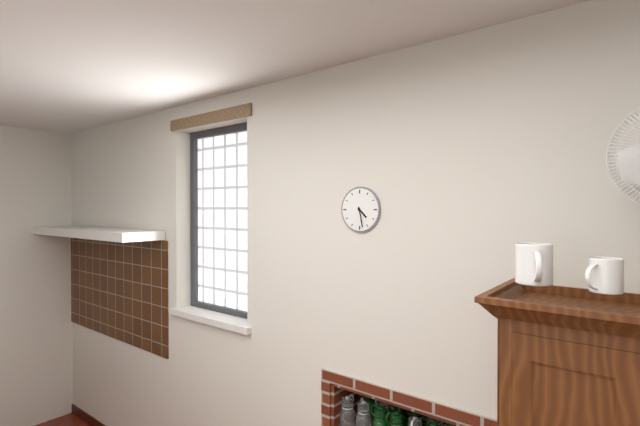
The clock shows 4:28
